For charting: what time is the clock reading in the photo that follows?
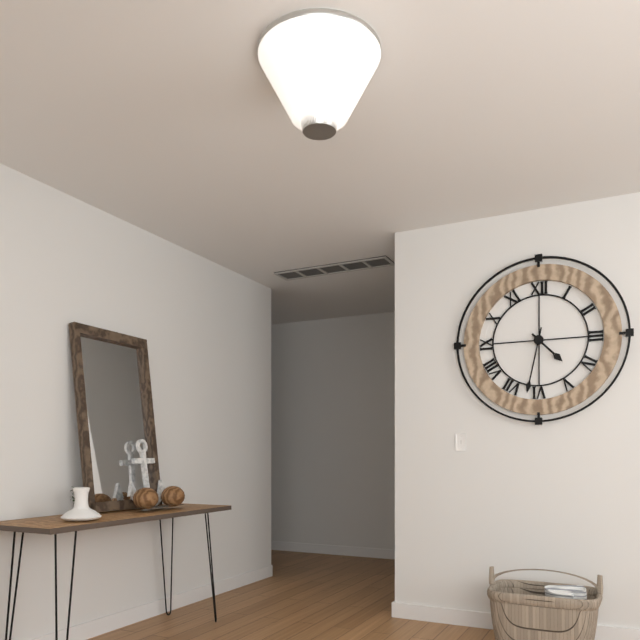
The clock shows 4:32
